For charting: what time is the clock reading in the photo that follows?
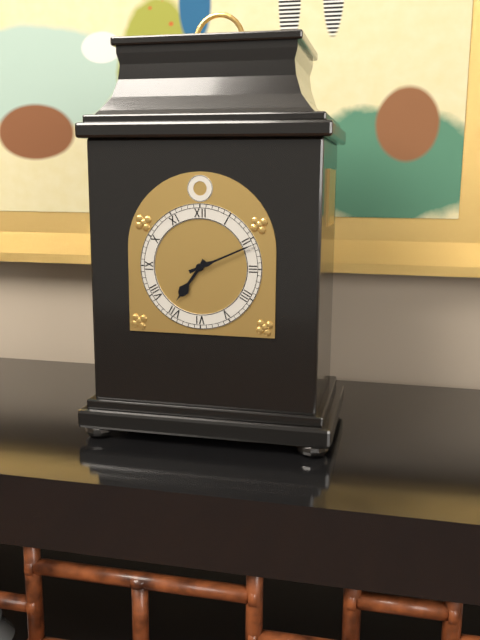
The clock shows 7:11
